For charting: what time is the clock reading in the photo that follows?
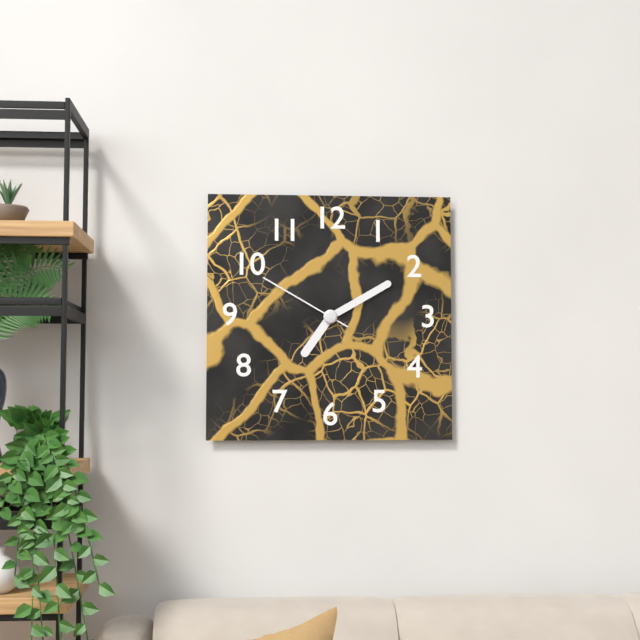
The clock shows 7:10:50
